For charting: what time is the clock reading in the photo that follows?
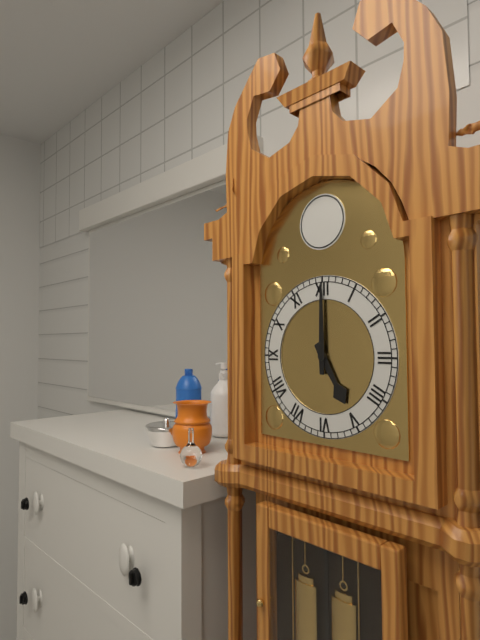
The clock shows 5:00
